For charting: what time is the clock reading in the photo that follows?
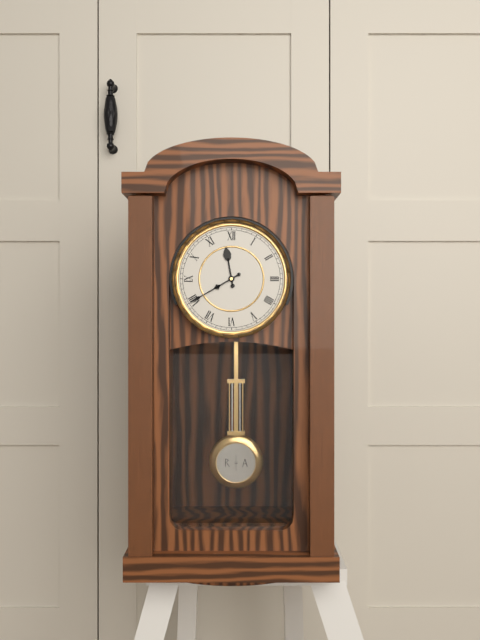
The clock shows 11:40
